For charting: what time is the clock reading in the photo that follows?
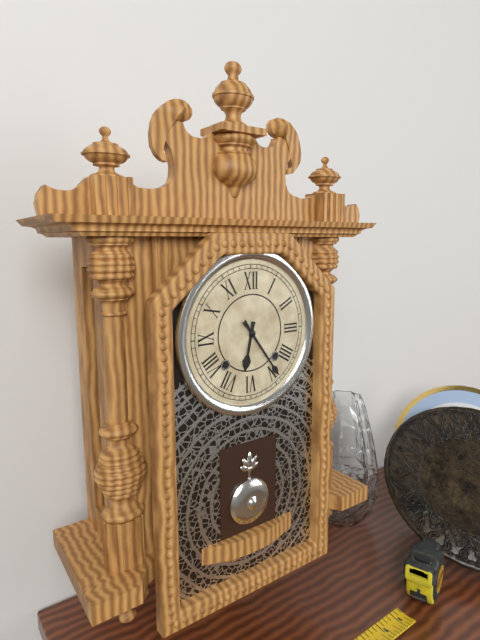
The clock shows 6:24
